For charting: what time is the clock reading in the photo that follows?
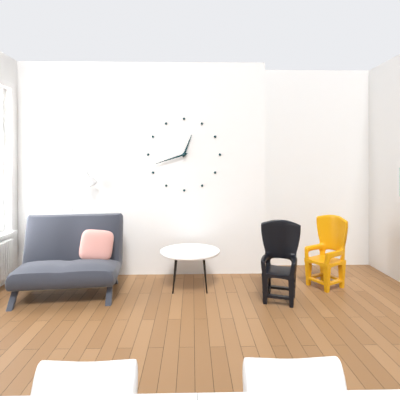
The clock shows 12:42
